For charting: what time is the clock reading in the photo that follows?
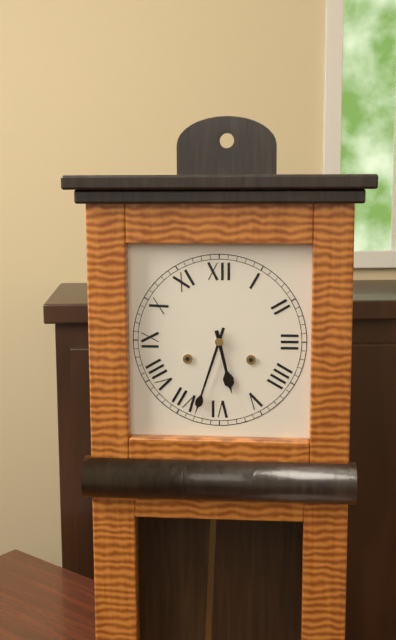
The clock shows 5:33
